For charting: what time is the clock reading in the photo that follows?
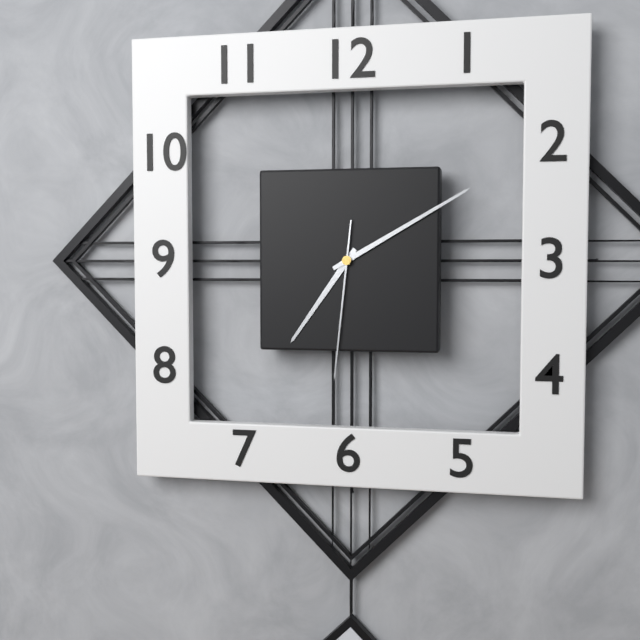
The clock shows 7:10:31
